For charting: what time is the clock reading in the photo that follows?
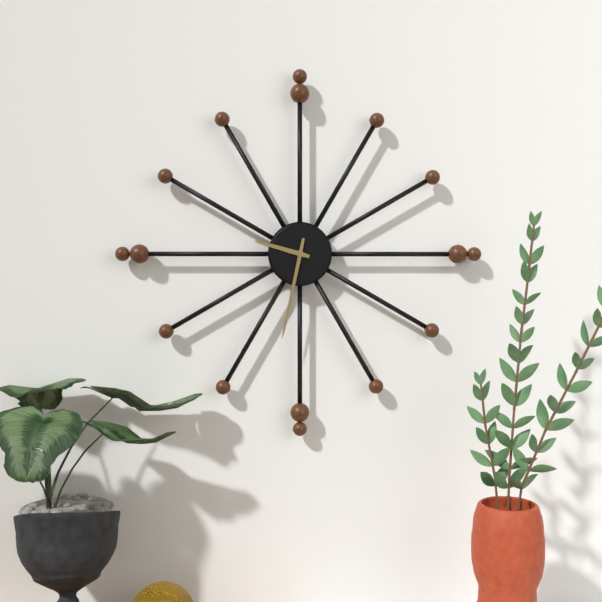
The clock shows 9:32
